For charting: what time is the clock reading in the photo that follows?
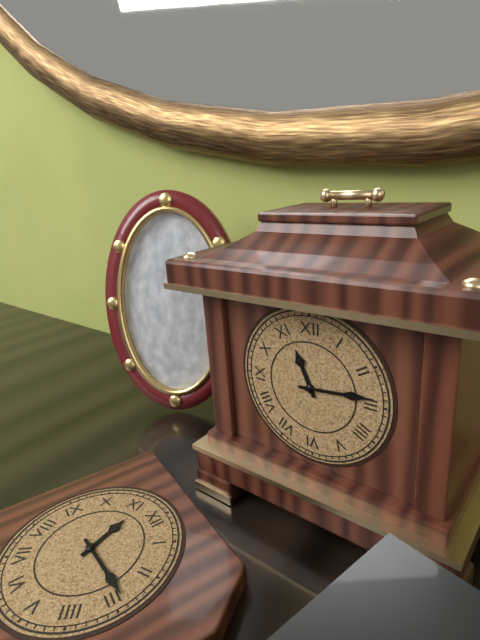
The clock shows 11:14
